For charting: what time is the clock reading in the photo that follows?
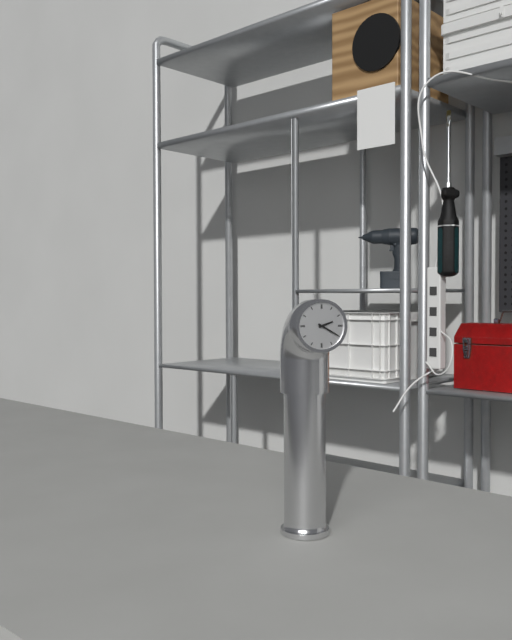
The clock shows 2:20
